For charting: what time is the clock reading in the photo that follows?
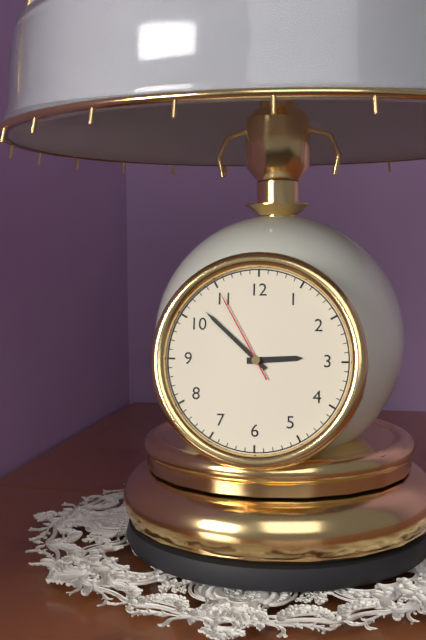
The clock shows 2:52:55
